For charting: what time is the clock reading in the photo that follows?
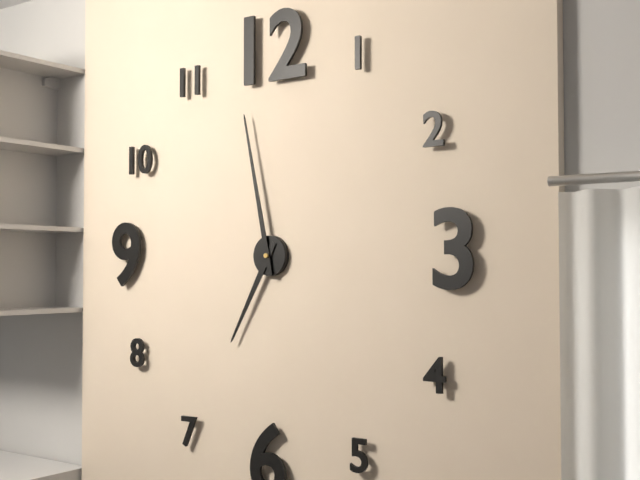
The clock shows 6:58
